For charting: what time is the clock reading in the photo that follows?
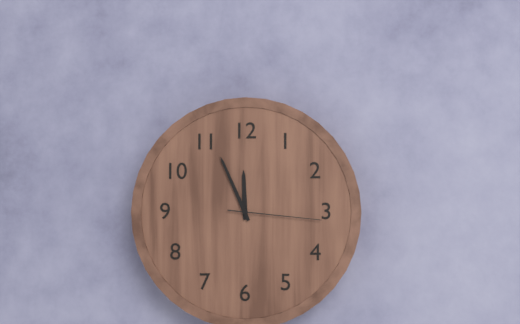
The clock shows 11:56:16
